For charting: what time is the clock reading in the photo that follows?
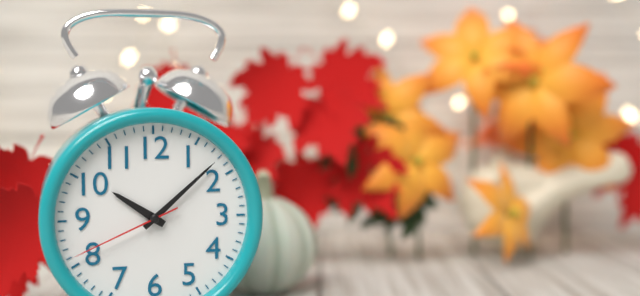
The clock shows 10:08:41
